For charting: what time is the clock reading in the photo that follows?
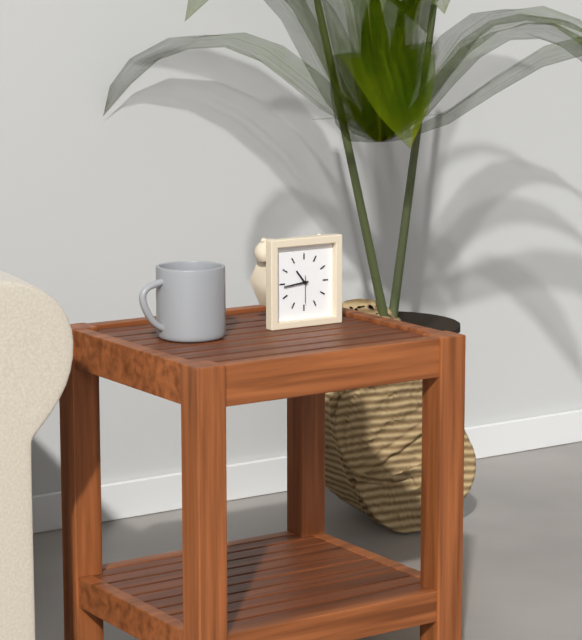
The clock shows 10:44
